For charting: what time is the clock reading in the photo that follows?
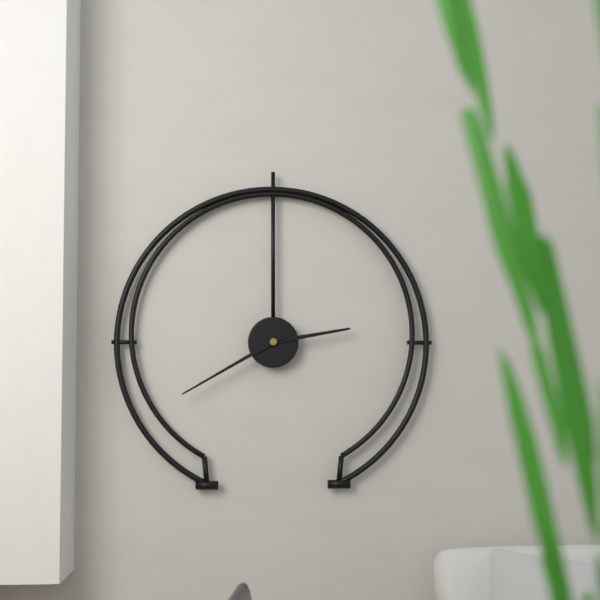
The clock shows 2:40
